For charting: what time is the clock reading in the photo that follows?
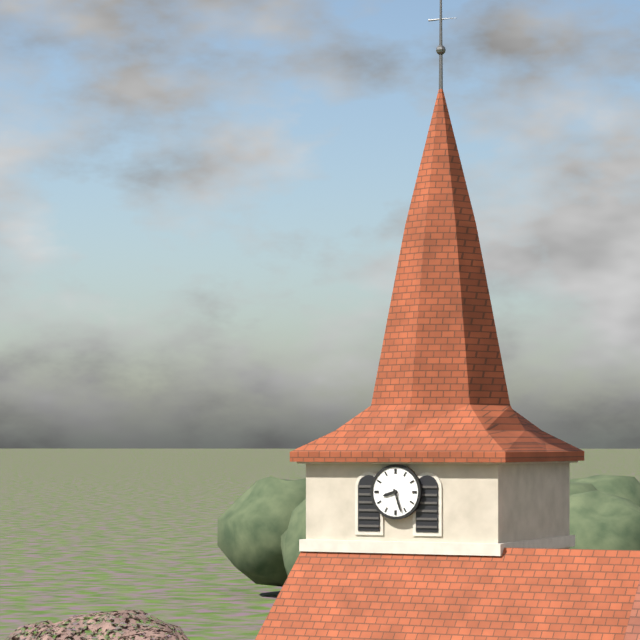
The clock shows 8:27
